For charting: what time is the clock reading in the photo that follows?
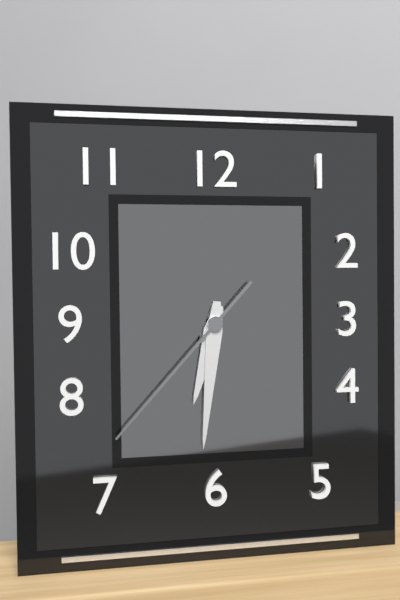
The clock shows 6:31:37
